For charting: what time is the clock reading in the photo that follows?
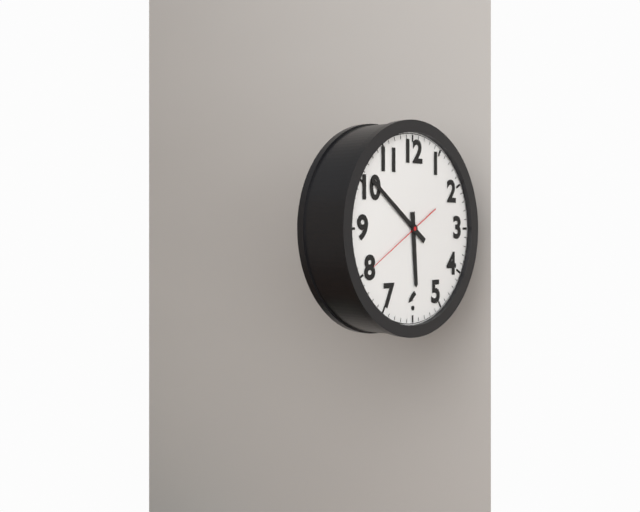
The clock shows 5:51:40
